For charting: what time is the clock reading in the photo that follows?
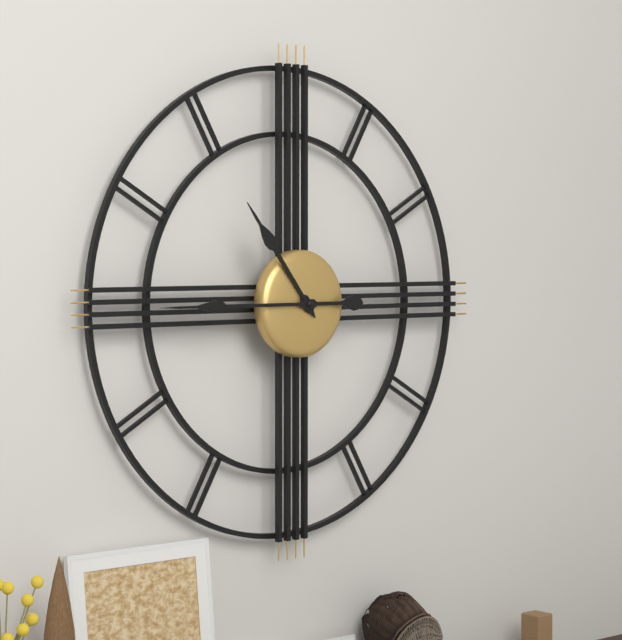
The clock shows 10:45
